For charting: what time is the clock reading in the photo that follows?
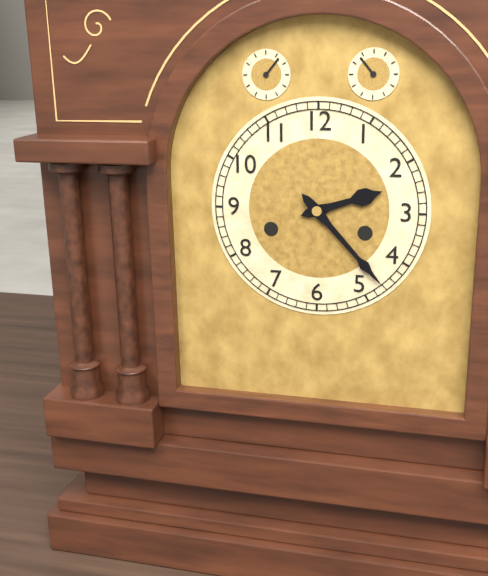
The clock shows 2:23
